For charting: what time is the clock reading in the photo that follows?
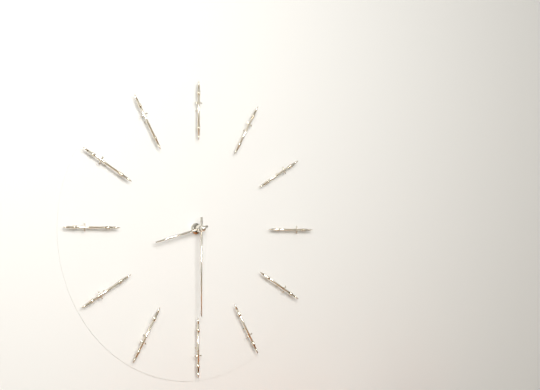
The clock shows 8:30
